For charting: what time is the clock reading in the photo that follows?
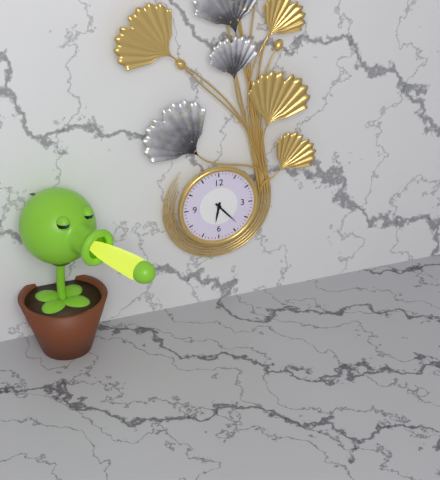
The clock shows 6:23
